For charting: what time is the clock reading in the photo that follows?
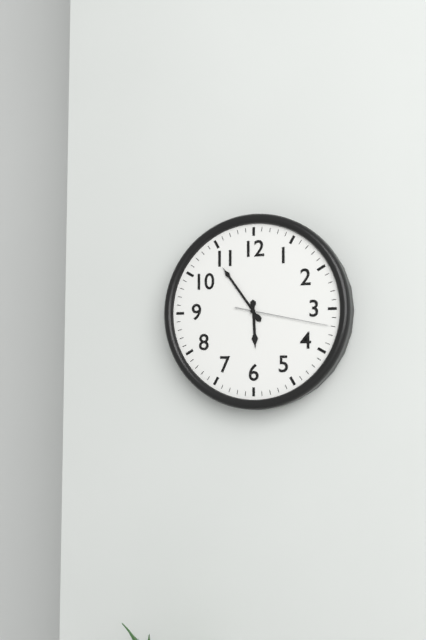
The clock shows 5:54:17
